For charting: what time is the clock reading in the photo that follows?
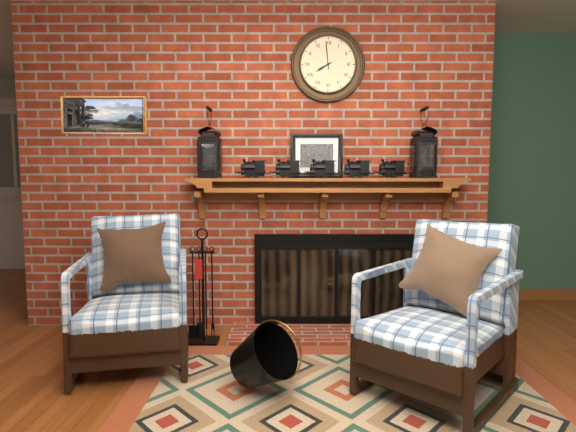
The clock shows 7:59
